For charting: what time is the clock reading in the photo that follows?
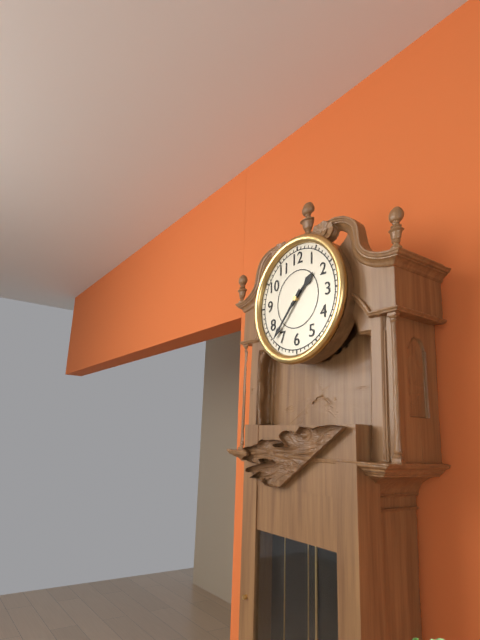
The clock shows 1:37
